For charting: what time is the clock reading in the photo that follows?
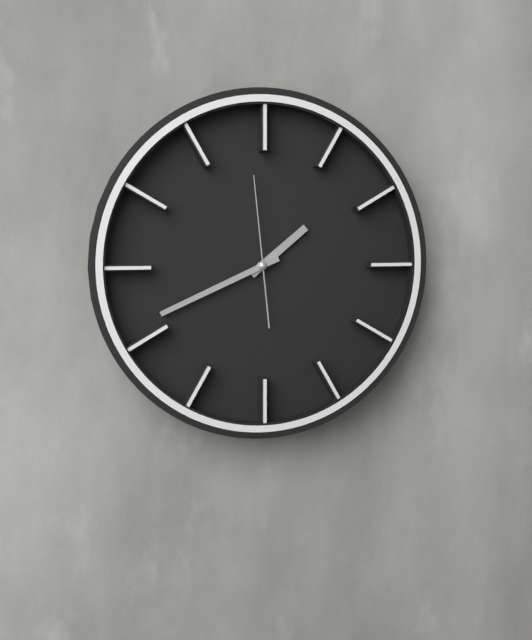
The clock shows 1:41:59
